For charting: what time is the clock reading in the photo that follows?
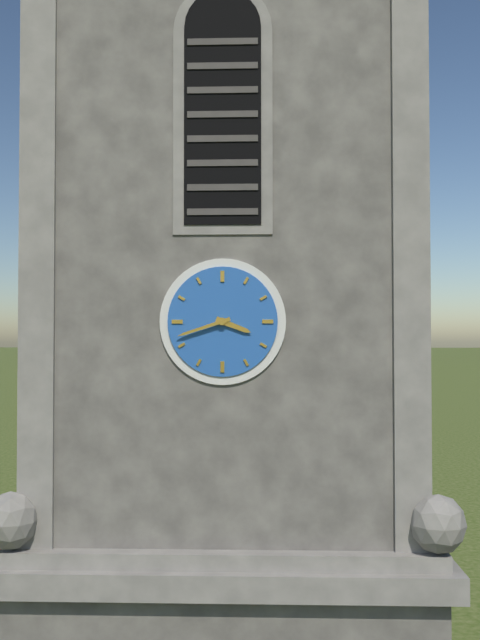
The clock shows 3:42
